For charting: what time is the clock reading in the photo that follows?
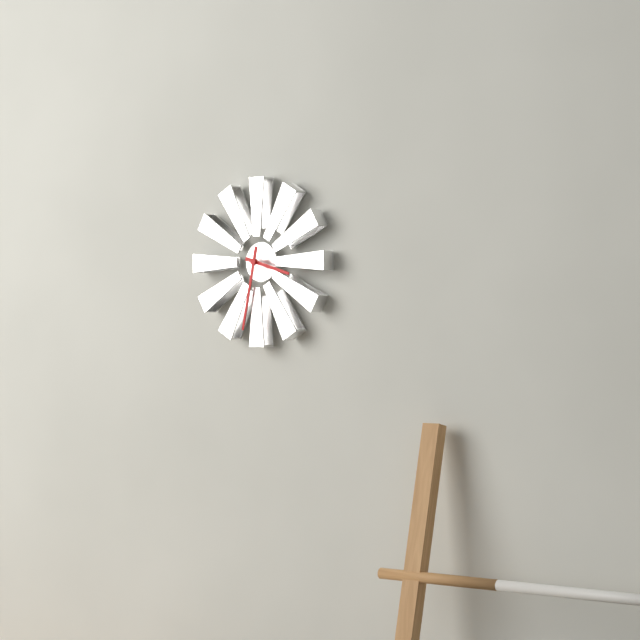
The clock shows 3:32
